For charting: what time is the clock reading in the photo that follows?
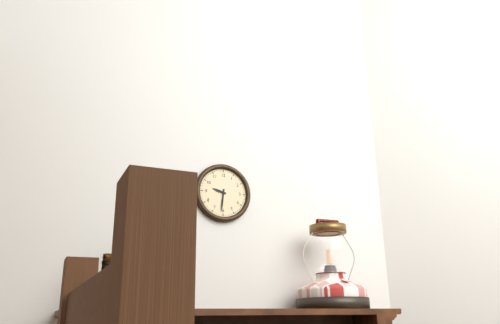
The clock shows 9:31
